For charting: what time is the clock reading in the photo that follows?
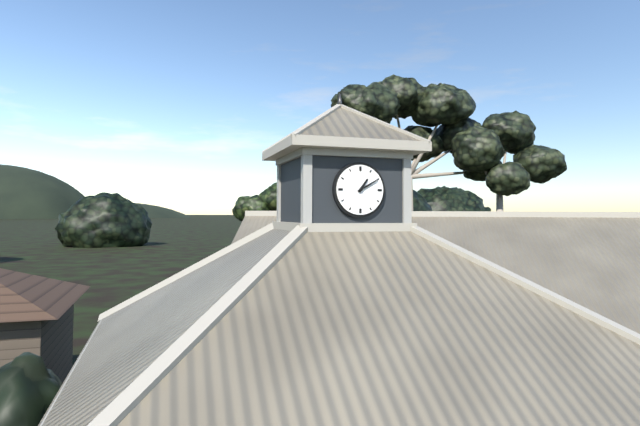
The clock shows 1:10
